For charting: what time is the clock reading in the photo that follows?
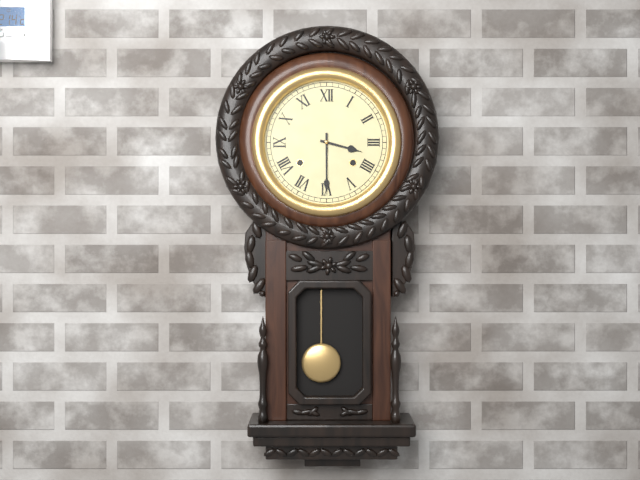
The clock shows 3:30
